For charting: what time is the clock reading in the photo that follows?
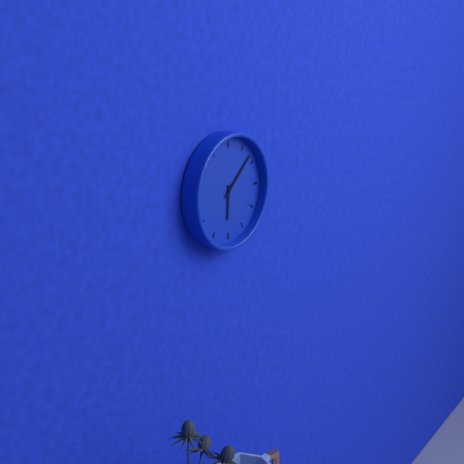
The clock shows 6:08
